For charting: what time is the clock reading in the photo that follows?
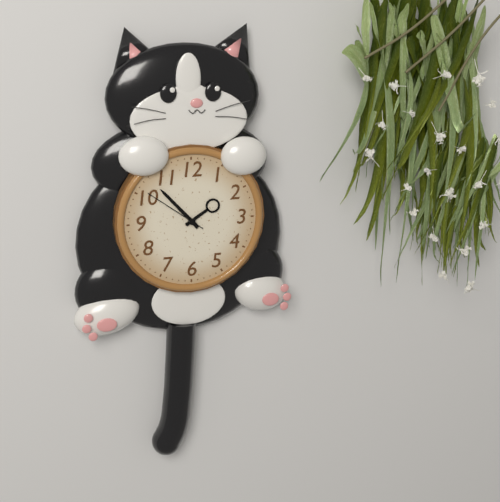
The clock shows 1:53:51
